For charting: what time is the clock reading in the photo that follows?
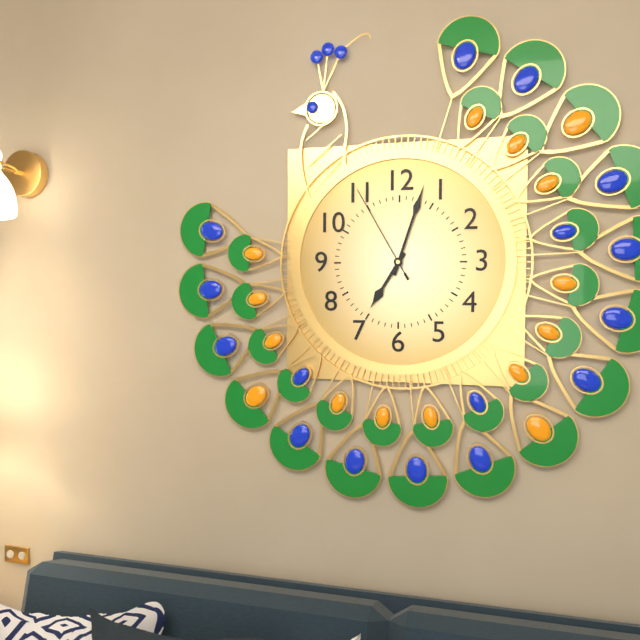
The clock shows 7:03:55
